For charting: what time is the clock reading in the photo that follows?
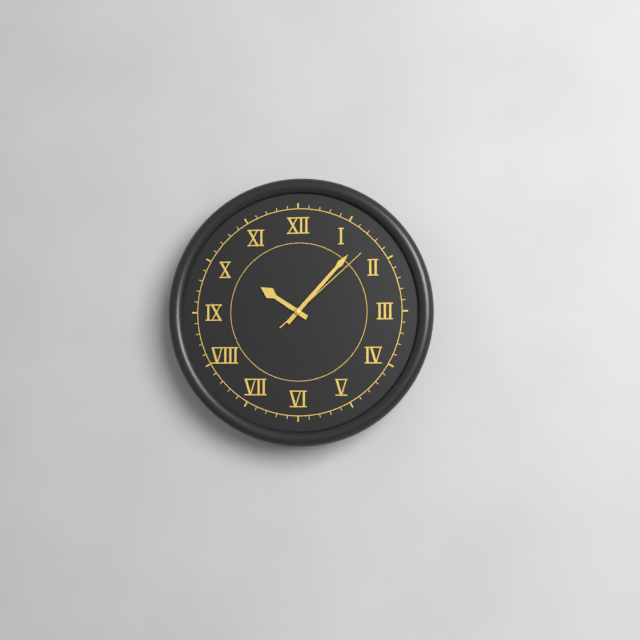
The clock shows 10:07:08
